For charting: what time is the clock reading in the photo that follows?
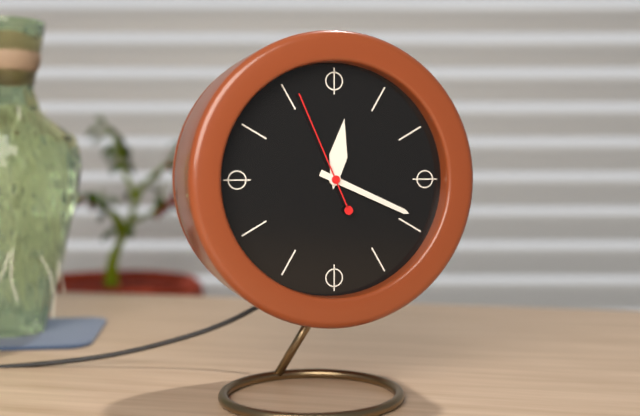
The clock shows 12:19:56
